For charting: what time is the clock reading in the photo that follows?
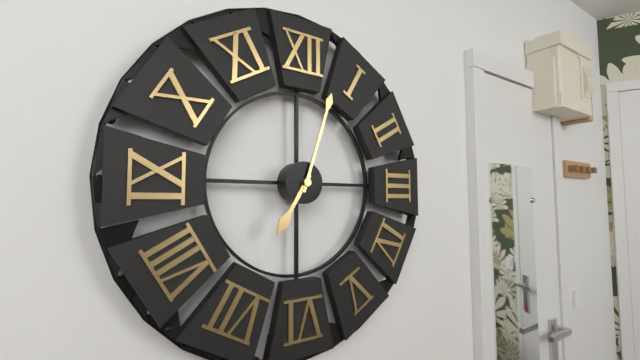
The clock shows 7:03
